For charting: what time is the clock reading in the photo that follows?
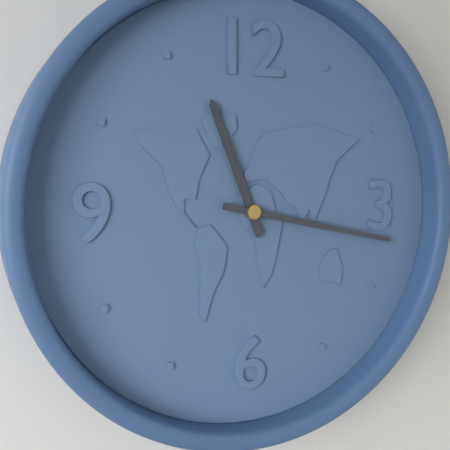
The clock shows 11:17
